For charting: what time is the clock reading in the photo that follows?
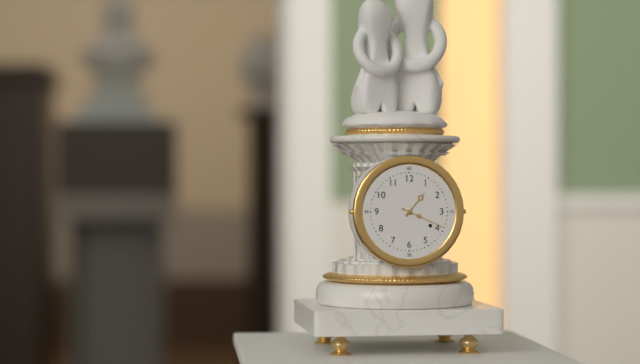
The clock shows 1:19
